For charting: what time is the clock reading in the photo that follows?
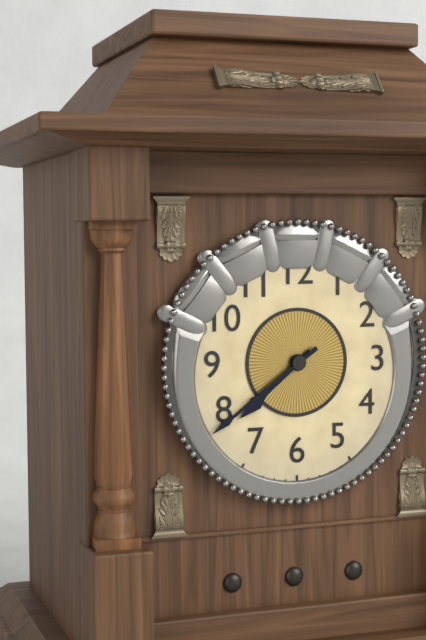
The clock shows 7:39
